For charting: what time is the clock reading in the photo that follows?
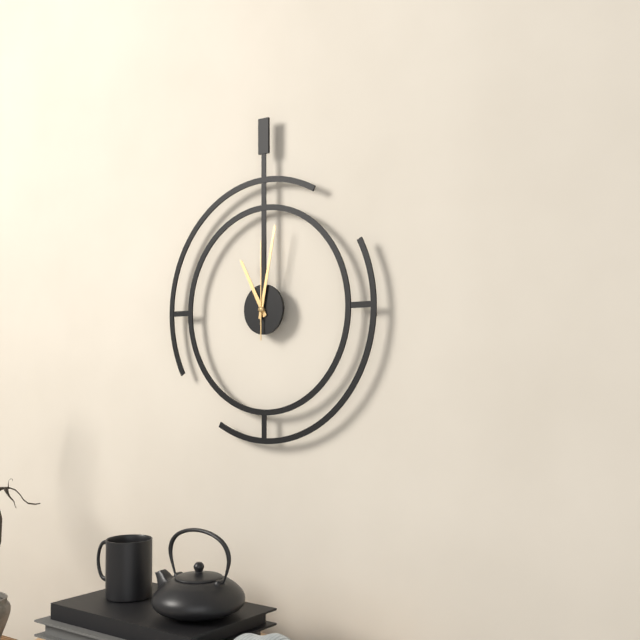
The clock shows 11:02:00
